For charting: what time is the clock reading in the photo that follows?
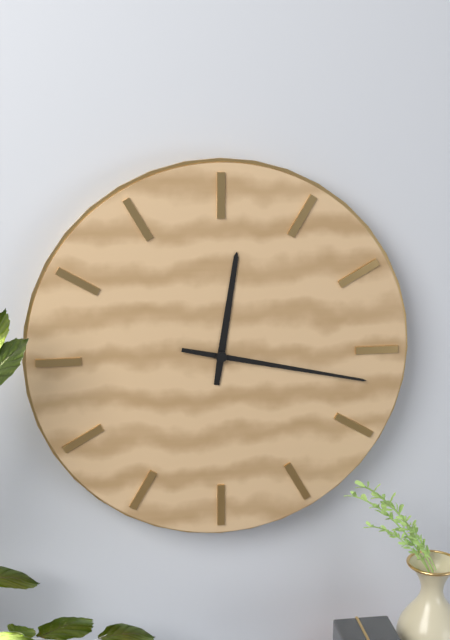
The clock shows 12:17
